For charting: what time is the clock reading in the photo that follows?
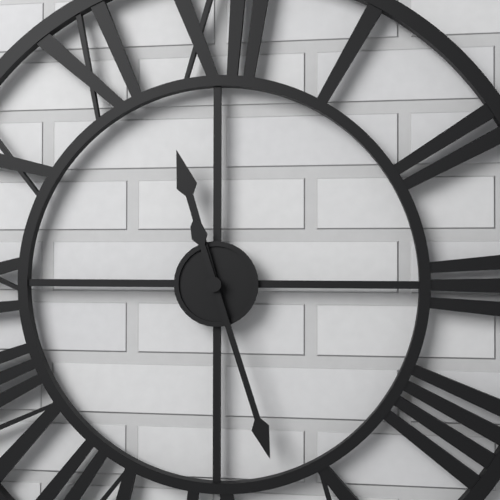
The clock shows 11:27
